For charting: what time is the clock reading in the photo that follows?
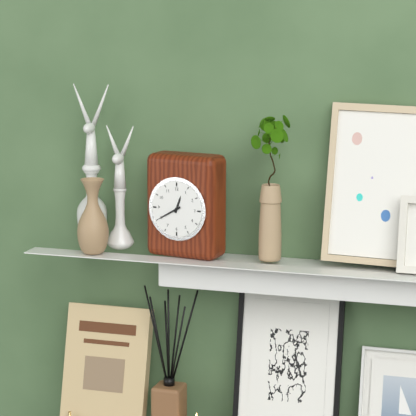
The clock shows 12:40
